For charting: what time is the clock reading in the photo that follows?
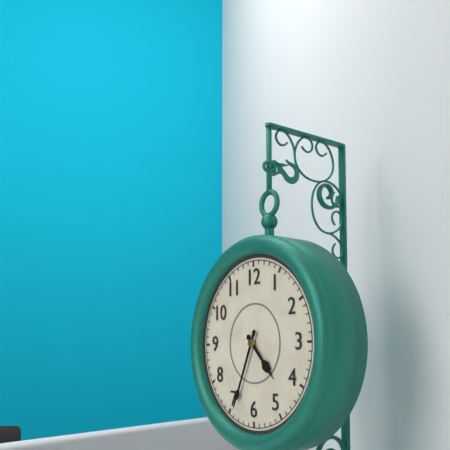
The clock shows 4:34
